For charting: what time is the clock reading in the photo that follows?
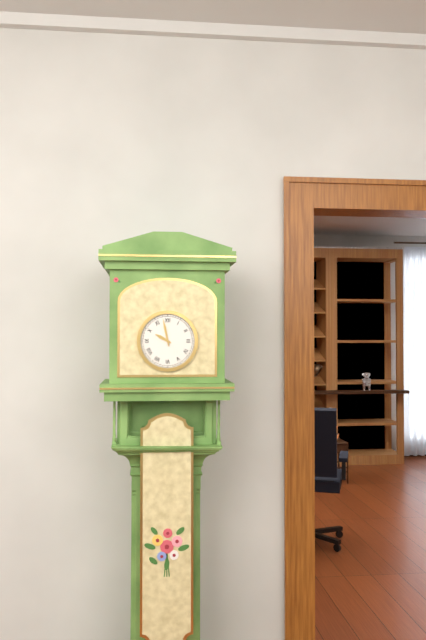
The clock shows 9:58
